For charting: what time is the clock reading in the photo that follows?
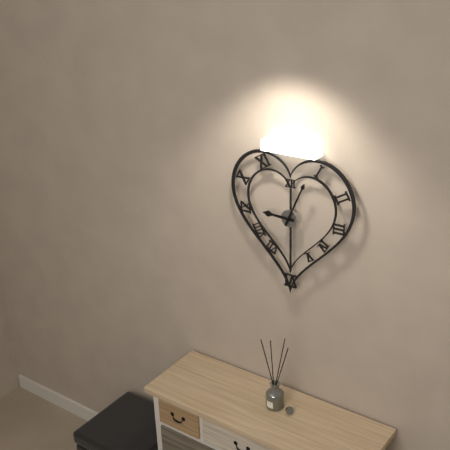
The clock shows 9:04
